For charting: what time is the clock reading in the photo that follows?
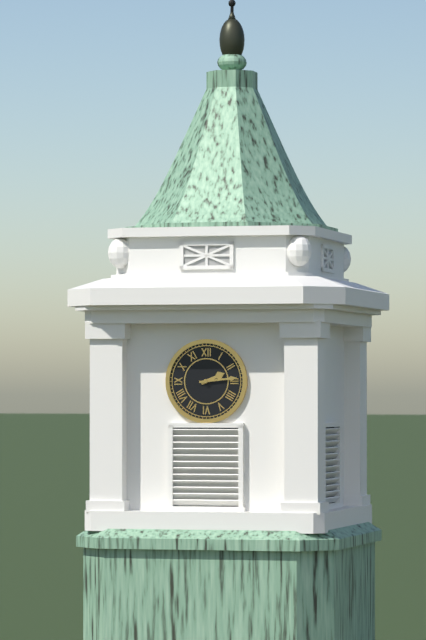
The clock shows 2:14
